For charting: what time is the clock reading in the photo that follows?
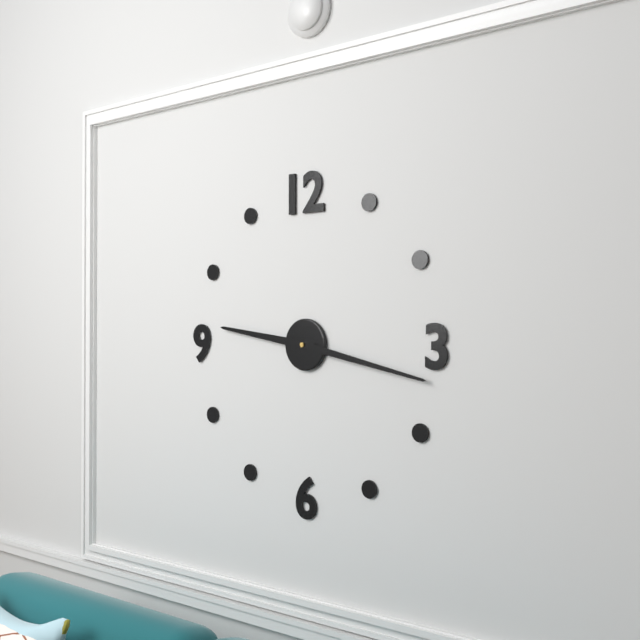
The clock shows 9:17
